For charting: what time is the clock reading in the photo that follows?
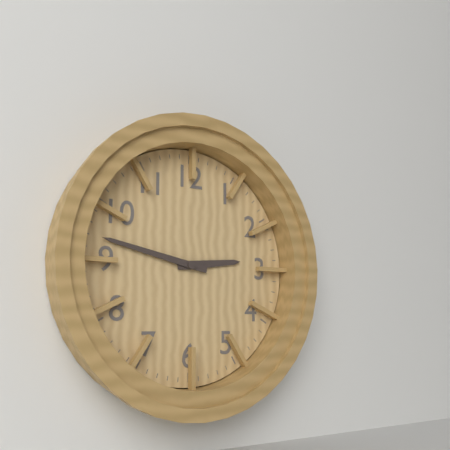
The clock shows 2:47
